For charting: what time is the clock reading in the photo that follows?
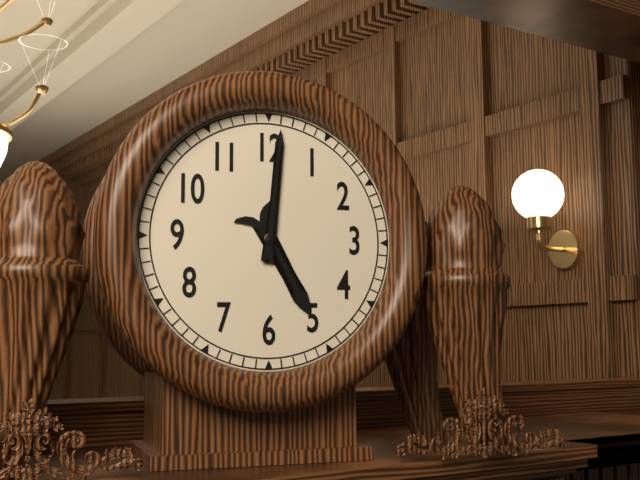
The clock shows 5:01
